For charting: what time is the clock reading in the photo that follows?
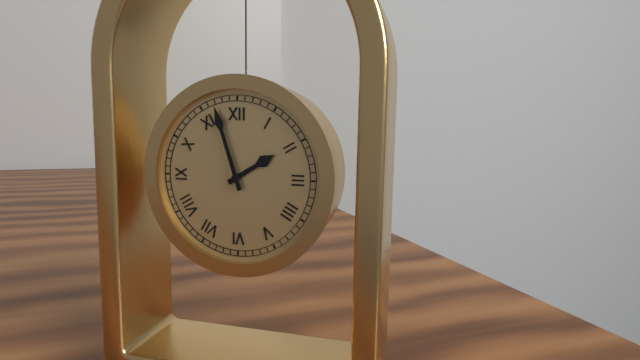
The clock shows 1:57
